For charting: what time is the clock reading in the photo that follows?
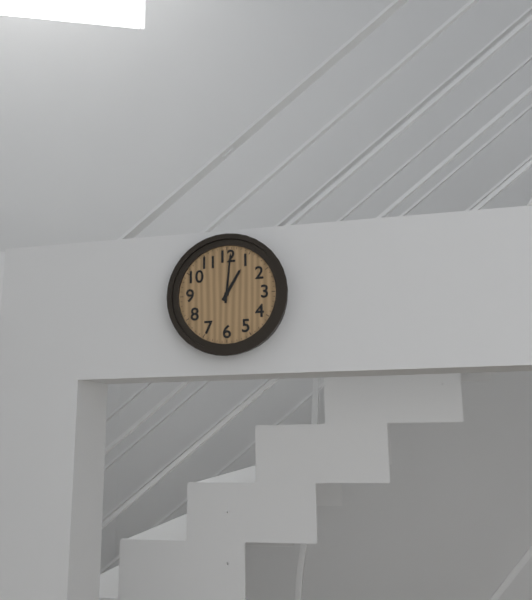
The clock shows 1:01
